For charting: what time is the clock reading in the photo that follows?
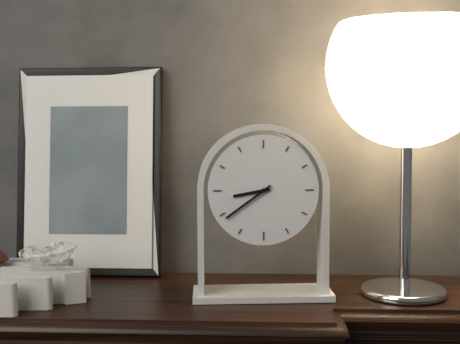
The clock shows 8:39
